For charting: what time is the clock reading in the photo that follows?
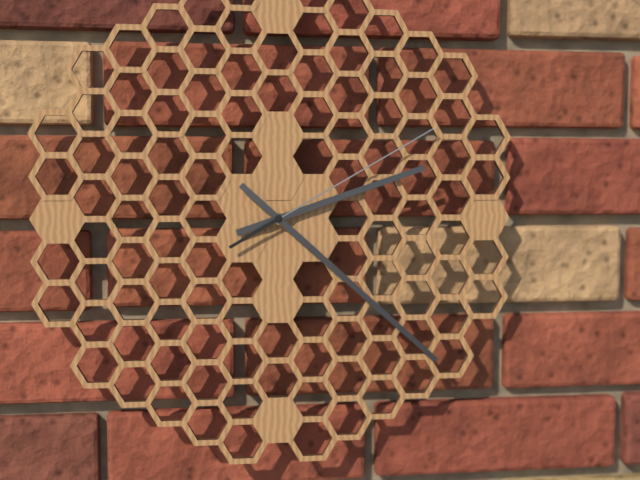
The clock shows 2:22:10
